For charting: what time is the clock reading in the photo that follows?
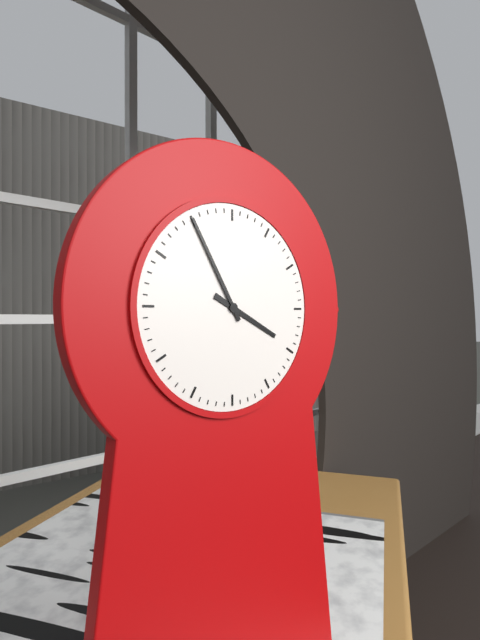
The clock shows 3:55
